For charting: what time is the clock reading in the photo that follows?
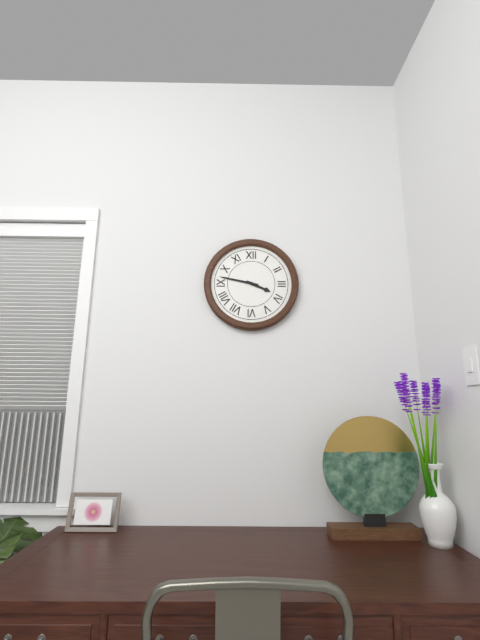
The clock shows 3:47
